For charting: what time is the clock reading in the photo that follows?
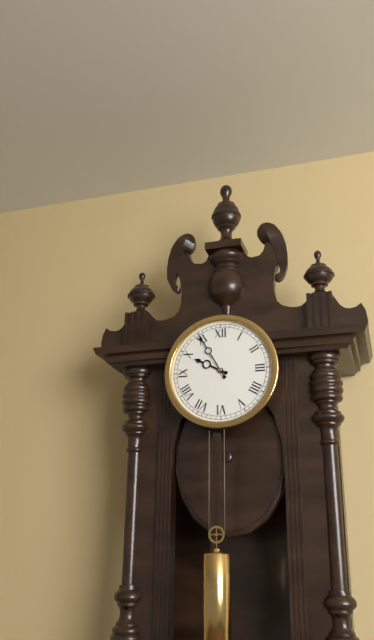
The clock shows 9:55
